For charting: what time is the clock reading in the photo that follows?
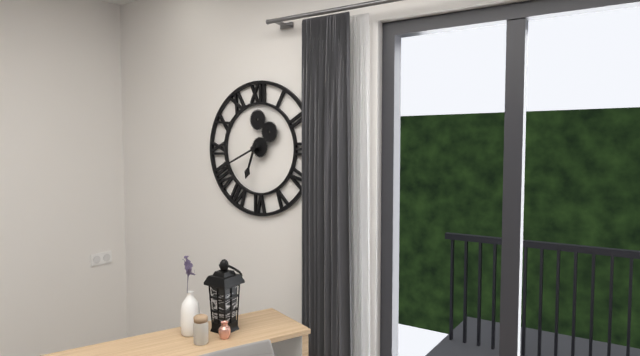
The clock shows 6:41
